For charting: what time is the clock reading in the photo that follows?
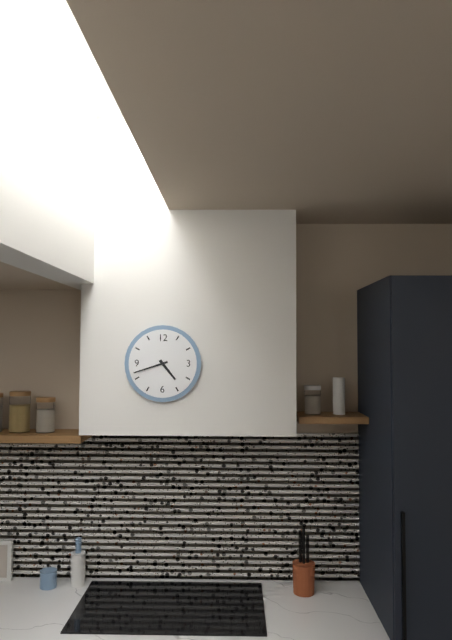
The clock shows 4:42
